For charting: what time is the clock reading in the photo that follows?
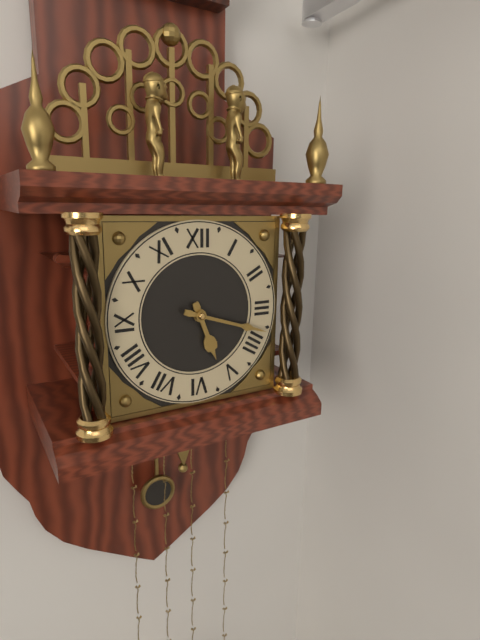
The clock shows 5:18
